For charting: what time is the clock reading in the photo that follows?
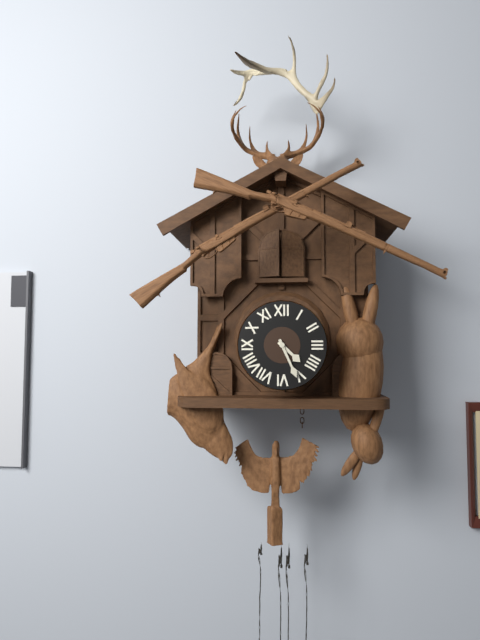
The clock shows 4:26
